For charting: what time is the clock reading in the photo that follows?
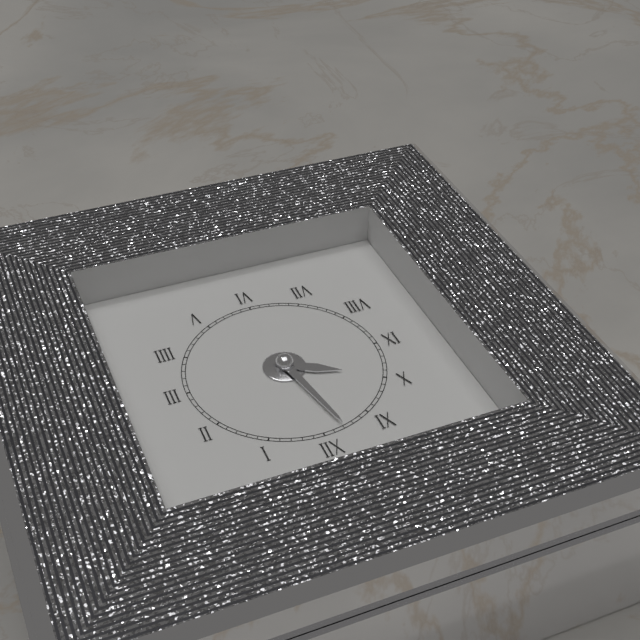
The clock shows 9:58
